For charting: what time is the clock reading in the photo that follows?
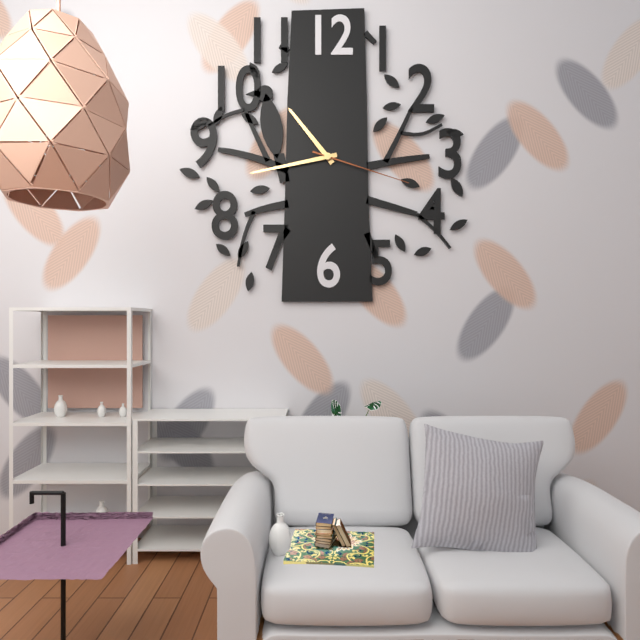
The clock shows 10:43:18
